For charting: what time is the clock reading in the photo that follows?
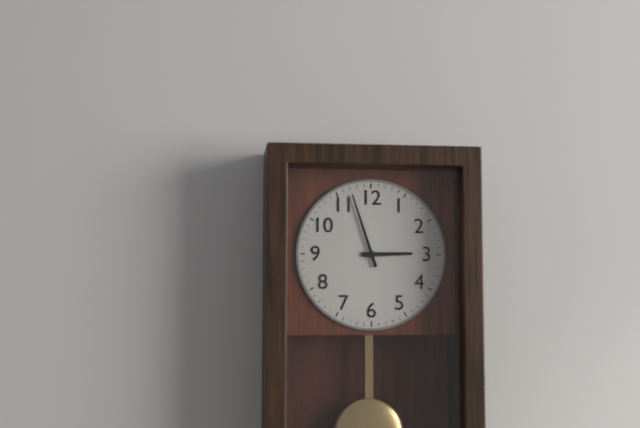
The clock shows 2:57
